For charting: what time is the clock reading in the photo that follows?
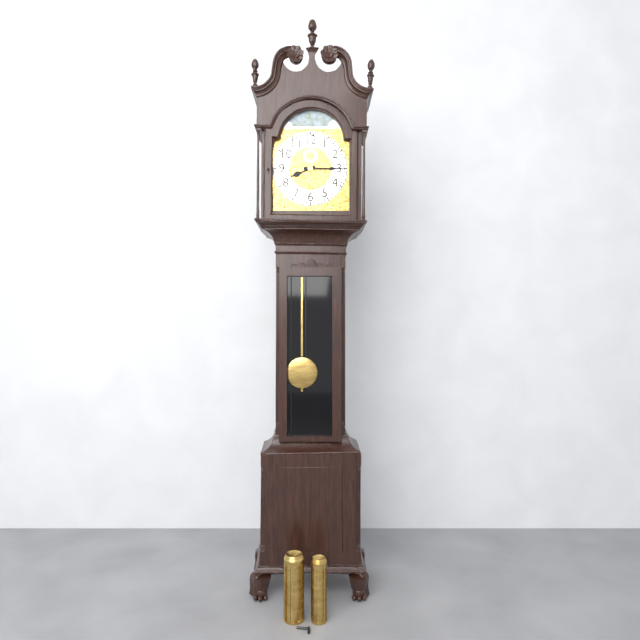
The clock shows 8:15
